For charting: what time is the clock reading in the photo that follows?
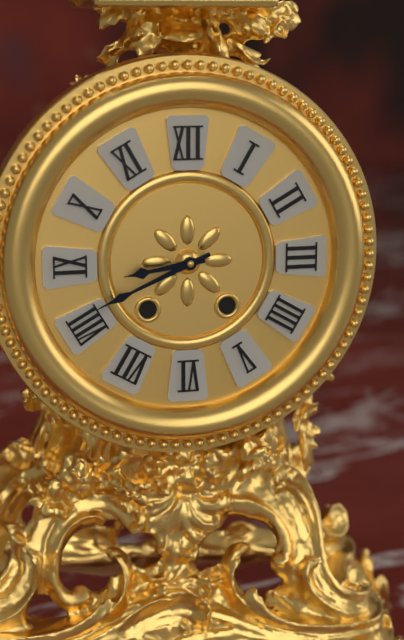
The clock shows 8:41
